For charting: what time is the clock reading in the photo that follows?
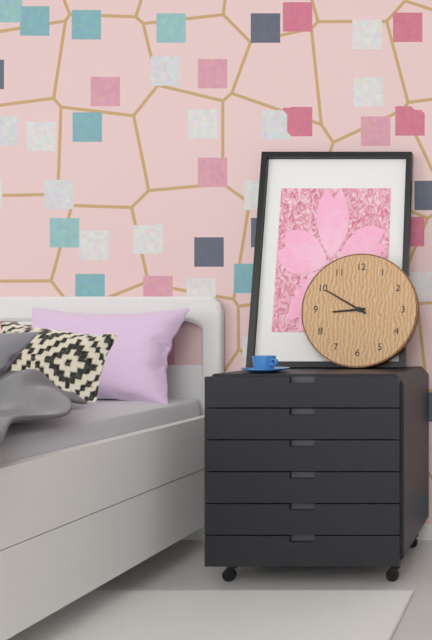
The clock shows 8:50
